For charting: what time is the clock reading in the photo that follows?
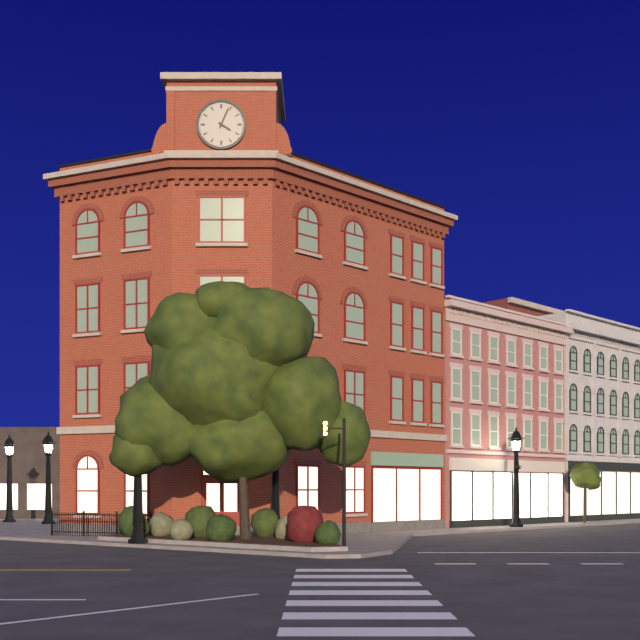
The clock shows 4:04
